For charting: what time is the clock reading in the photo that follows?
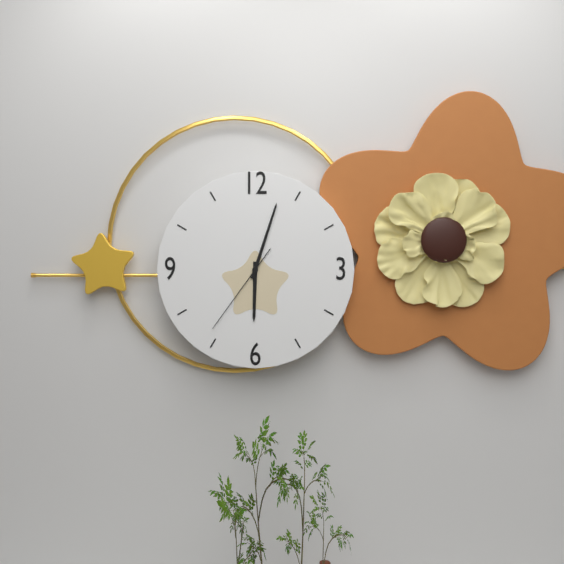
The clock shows 6:03:36
